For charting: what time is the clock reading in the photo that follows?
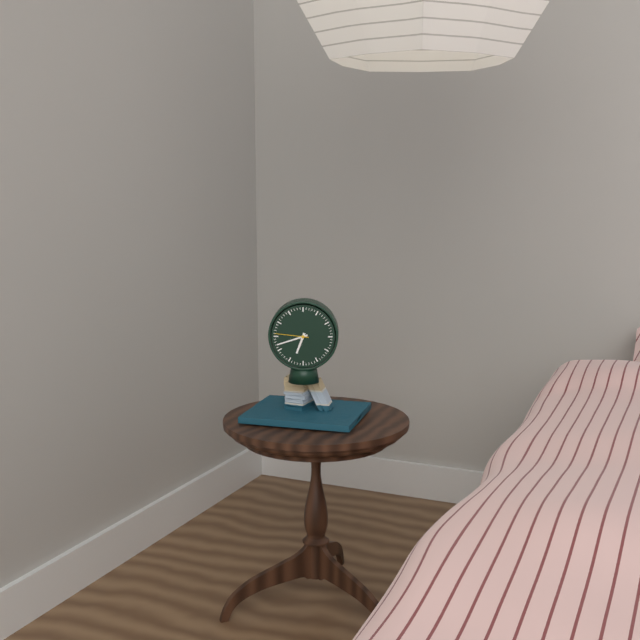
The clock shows 6:42
